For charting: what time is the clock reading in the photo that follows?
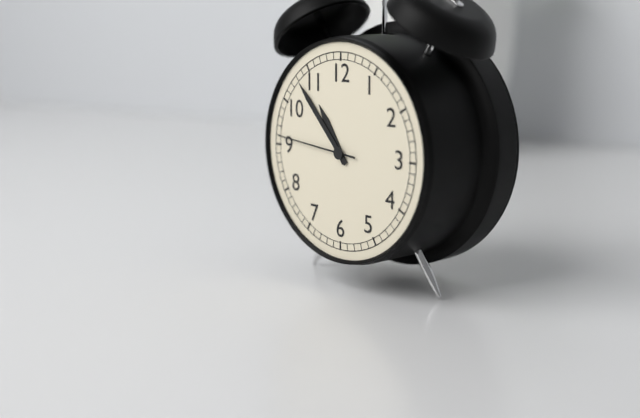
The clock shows 10:53:46
